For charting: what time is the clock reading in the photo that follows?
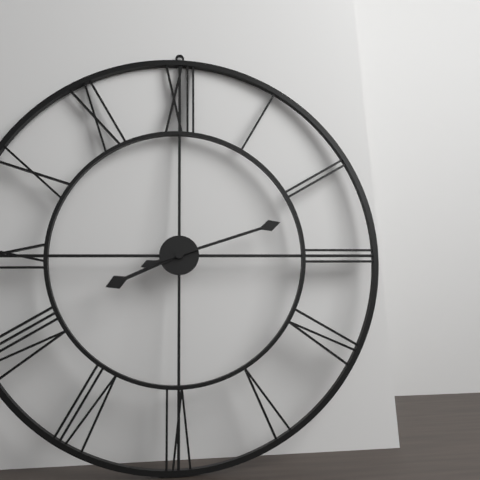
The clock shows 8:12
